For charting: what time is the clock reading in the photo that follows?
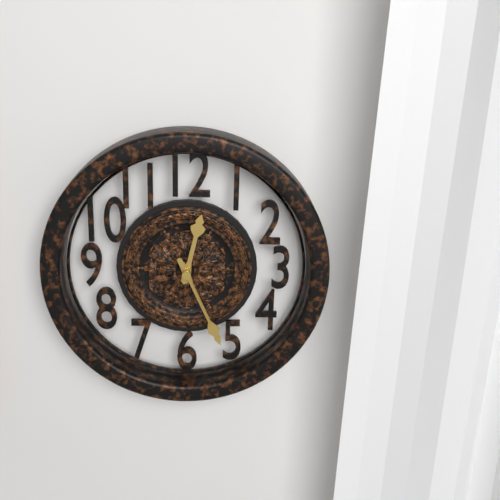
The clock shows 12:26:26
